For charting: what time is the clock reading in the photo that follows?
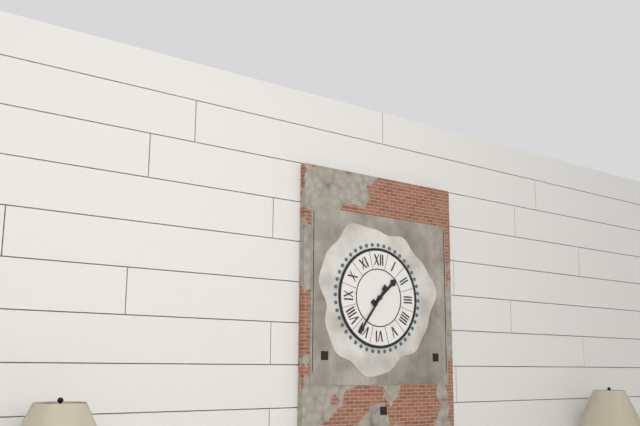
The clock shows 1:36
